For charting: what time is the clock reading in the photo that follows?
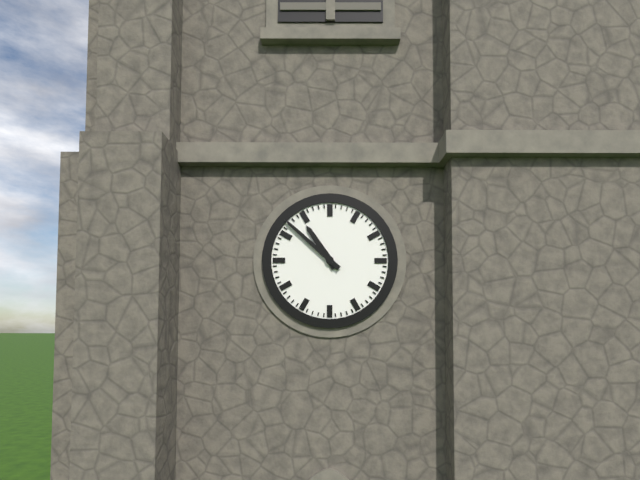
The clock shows 10:52
